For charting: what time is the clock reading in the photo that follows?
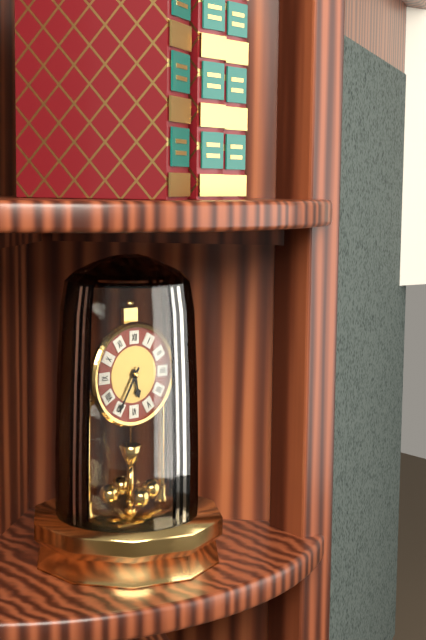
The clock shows 5:35
